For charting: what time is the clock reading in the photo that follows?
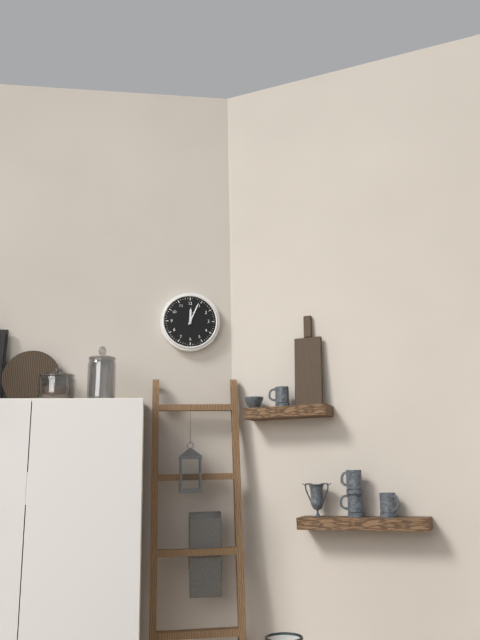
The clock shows 12:04
